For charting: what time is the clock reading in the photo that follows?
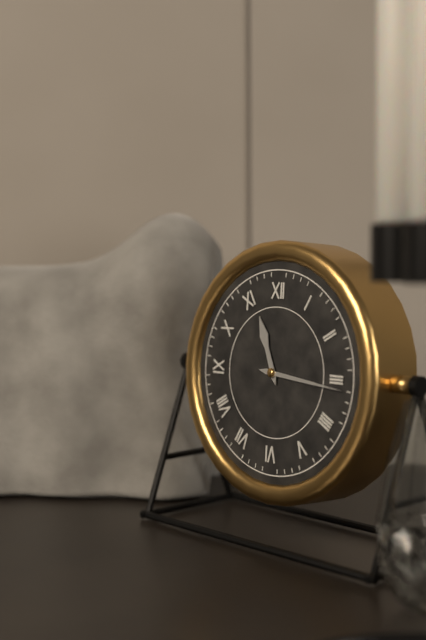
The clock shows 11:16
